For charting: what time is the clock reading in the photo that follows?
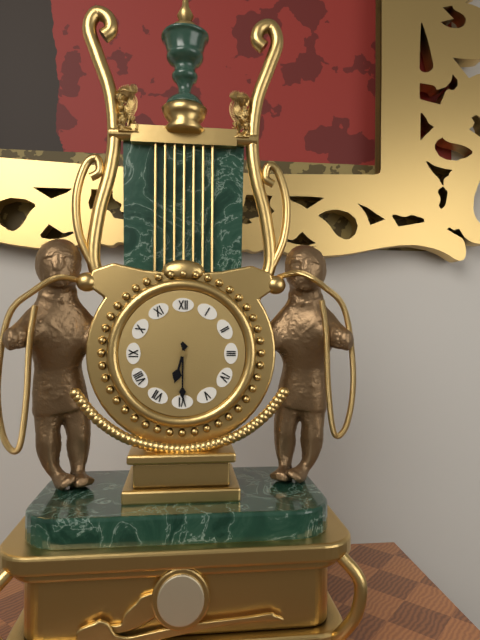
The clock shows 6:30
